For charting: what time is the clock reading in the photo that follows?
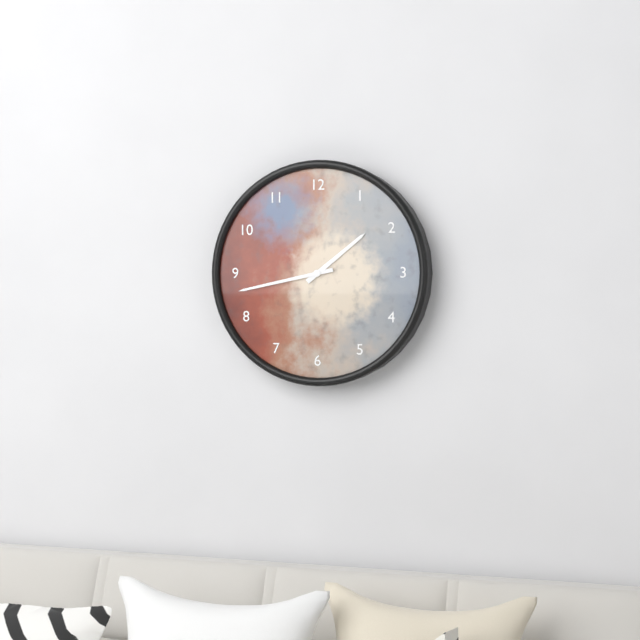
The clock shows 1:43
